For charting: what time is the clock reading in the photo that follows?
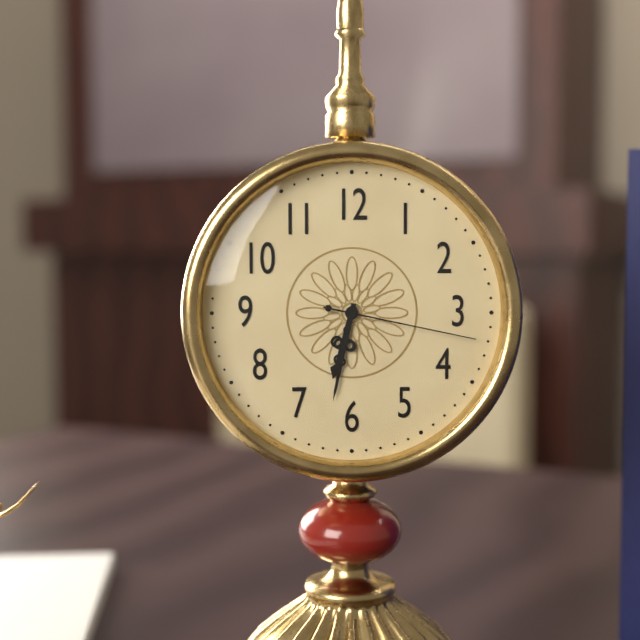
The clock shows 6:32:17
